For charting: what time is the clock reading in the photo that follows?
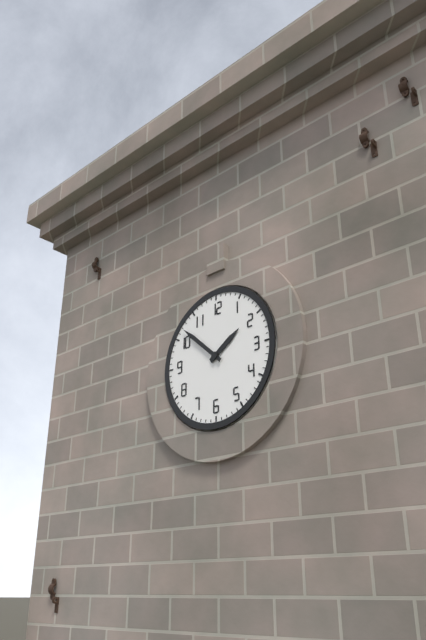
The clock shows 1:52
